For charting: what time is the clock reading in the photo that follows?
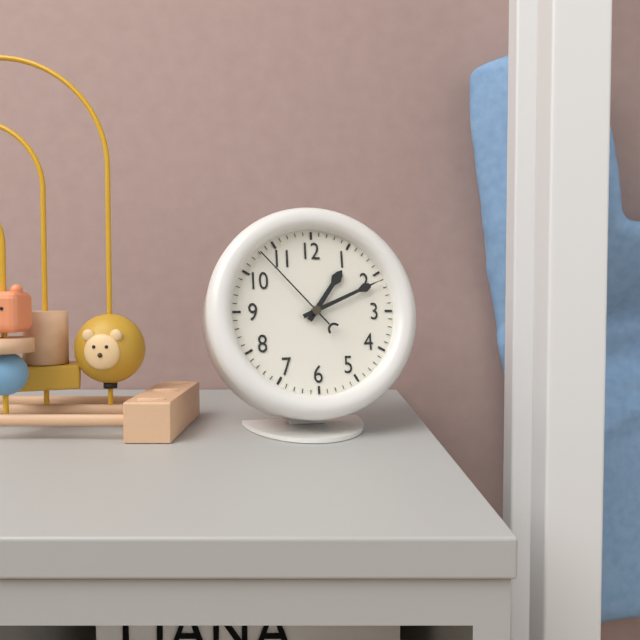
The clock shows 1:11:53
